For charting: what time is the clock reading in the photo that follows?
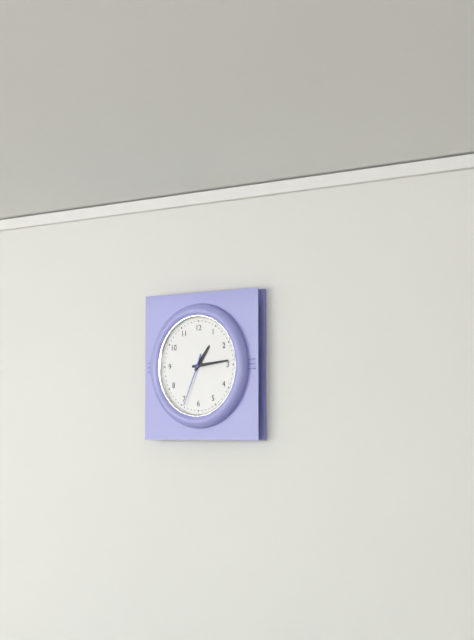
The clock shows 1:14:34
